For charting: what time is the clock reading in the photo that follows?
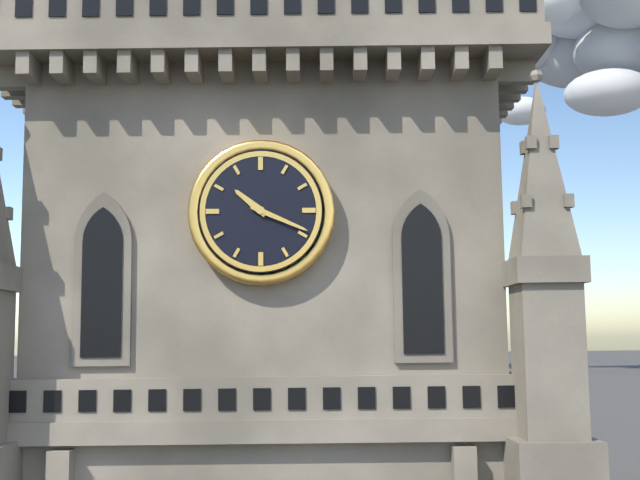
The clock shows 10:19
